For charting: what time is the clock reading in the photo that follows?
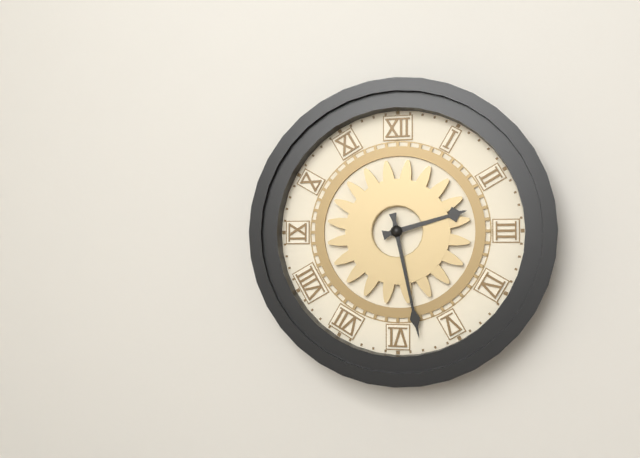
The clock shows 2:28
